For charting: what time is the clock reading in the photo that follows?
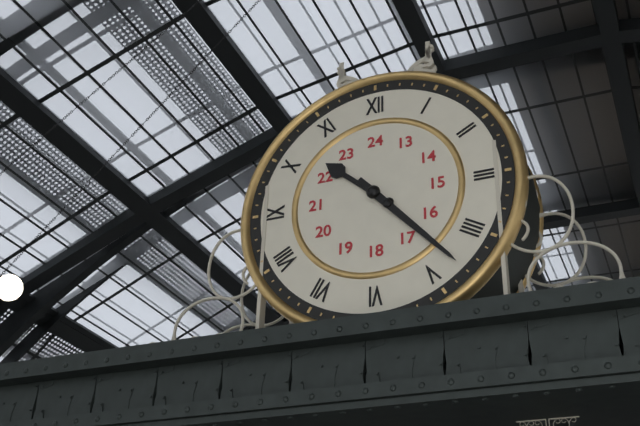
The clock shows 10:23
